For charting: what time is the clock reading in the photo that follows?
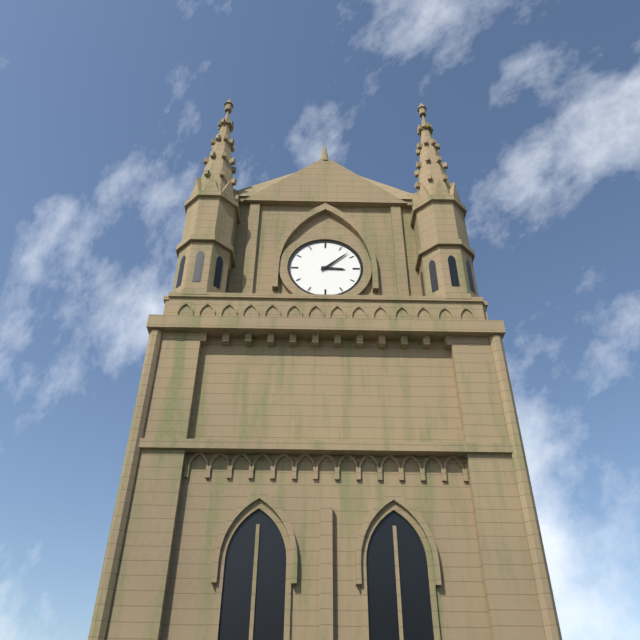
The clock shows 3:08
